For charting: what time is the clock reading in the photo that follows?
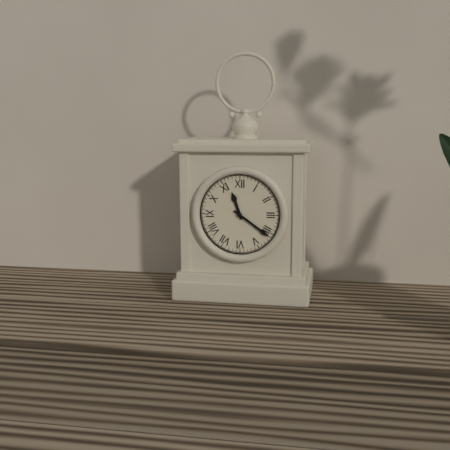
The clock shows 11:21
